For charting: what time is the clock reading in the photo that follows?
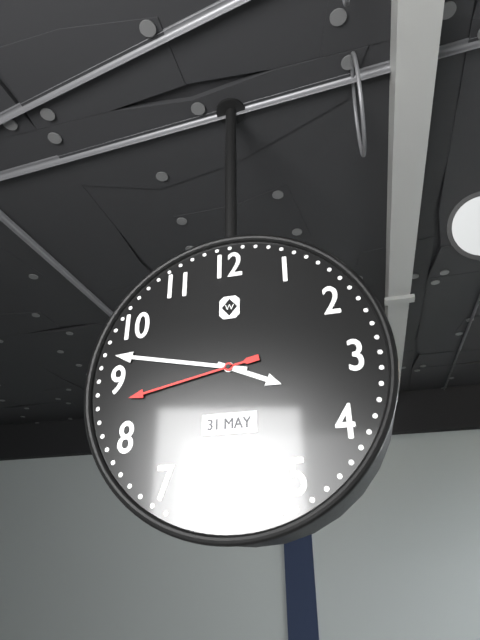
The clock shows 3:47:43
